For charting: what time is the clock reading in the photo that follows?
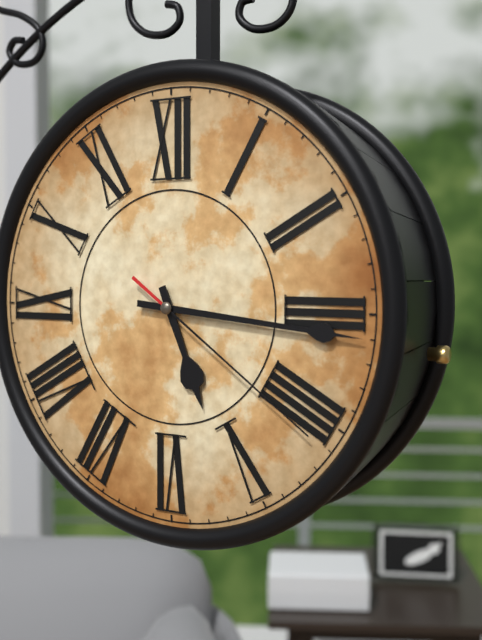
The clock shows 5:16:21
